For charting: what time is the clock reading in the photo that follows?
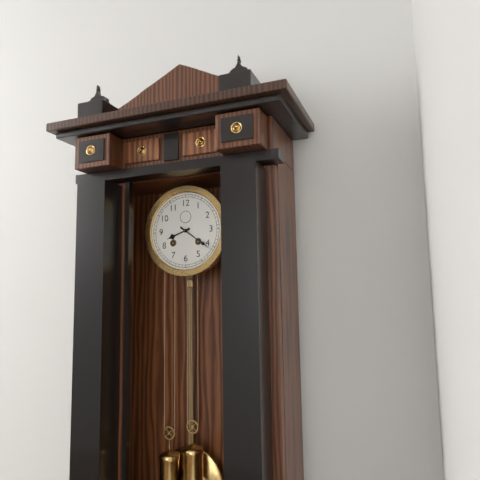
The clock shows 8:21
